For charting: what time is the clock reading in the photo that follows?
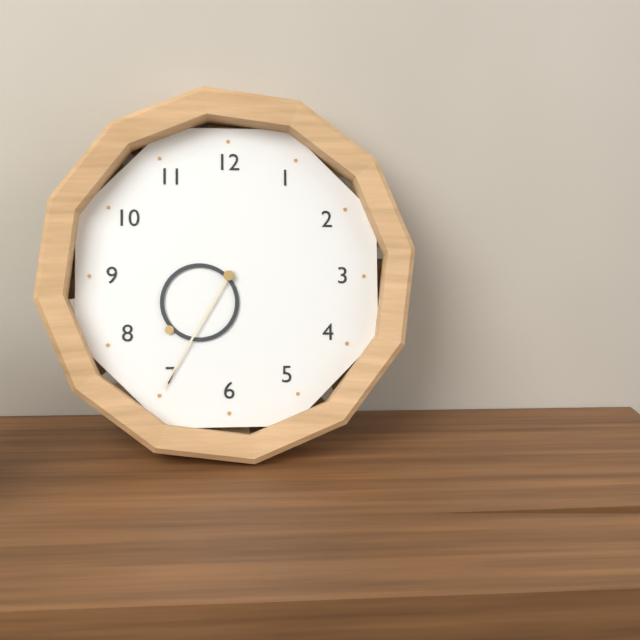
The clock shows 7:35
